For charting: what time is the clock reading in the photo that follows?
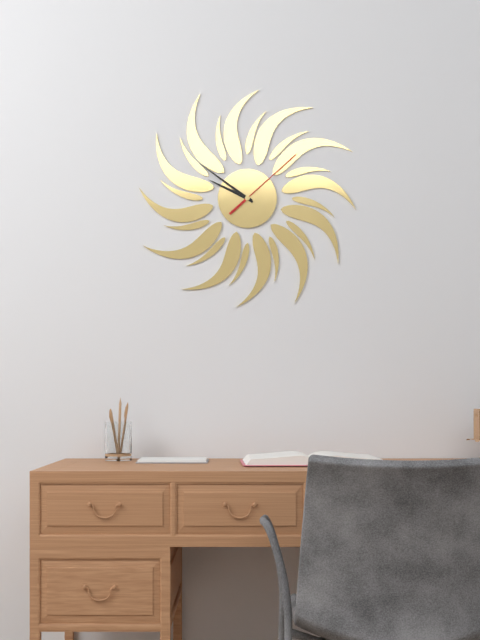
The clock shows 9:51:08
